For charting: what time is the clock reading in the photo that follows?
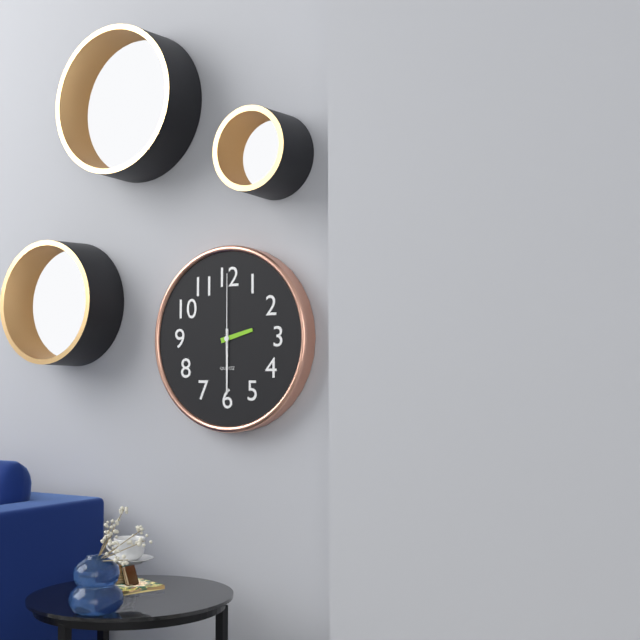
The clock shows 2:30:00
